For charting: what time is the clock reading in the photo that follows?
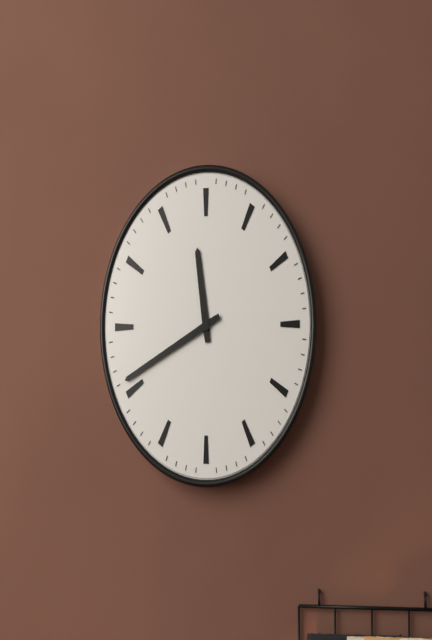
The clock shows 11:41
